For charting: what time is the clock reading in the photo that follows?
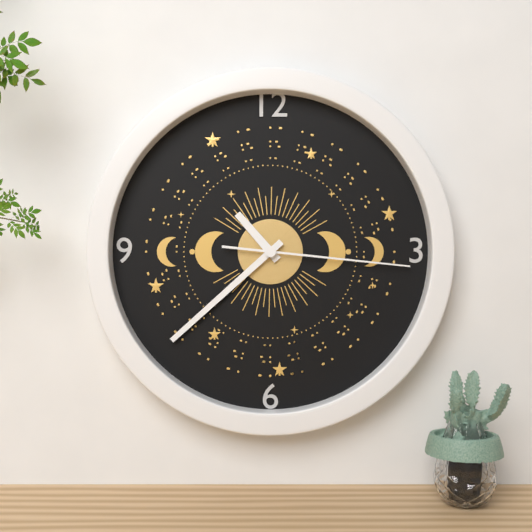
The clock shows 10:38:16
